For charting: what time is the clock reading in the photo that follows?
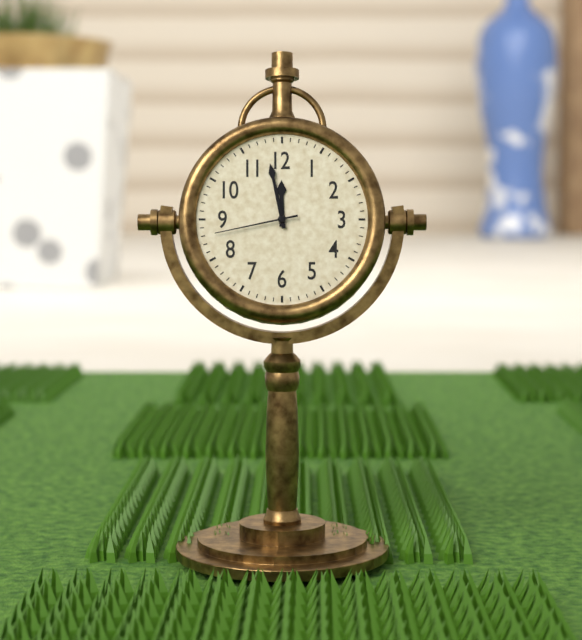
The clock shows 11:58:43
